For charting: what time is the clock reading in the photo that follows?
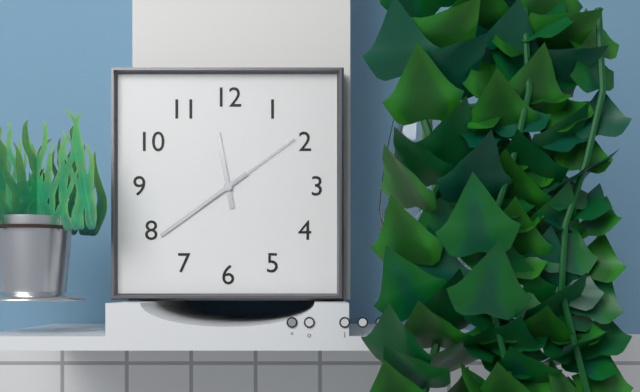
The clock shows 11:39:09
